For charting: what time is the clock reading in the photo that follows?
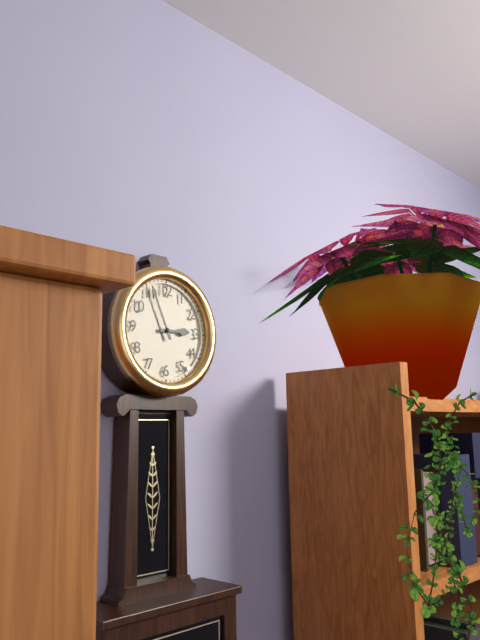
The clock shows 2:56
